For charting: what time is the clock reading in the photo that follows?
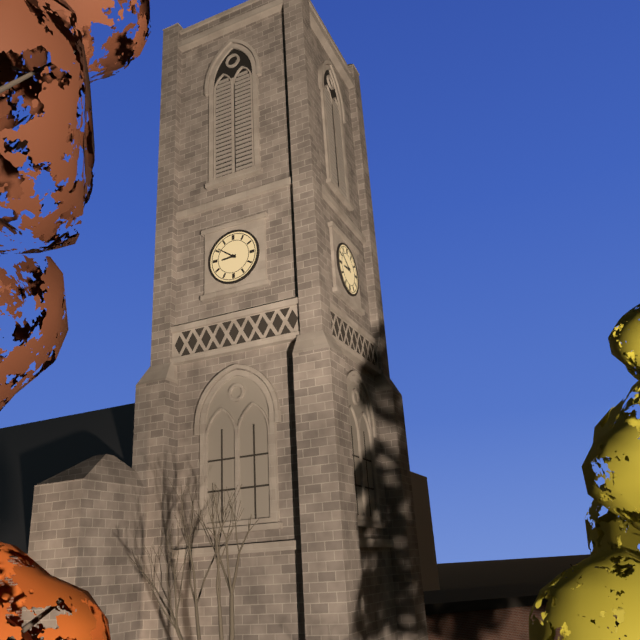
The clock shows 8:51
